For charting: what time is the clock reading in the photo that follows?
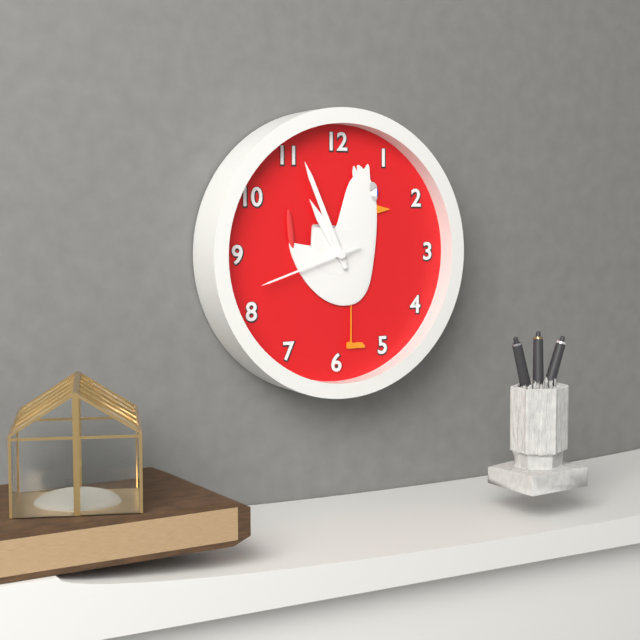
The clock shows 10:56:42
